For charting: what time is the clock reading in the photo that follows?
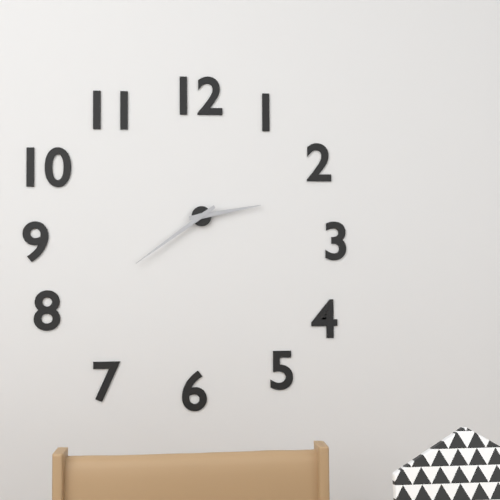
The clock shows 2:39
